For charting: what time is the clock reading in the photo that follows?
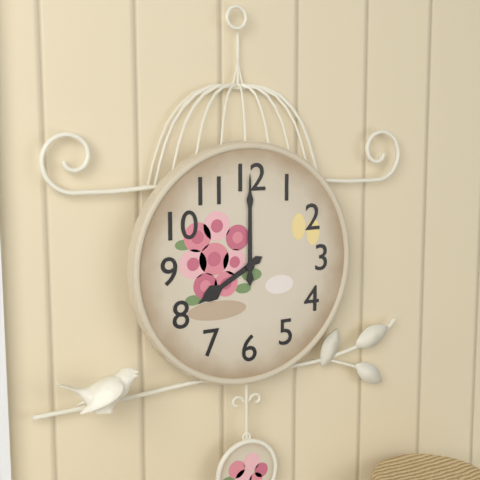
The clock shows 8:00
